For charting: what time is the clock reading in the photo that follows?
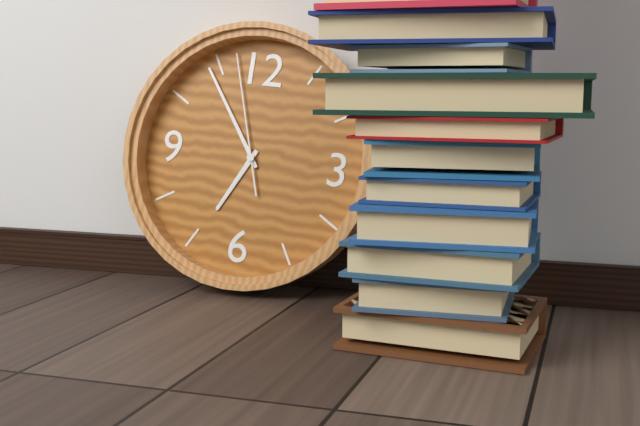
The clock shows 6:54:57
